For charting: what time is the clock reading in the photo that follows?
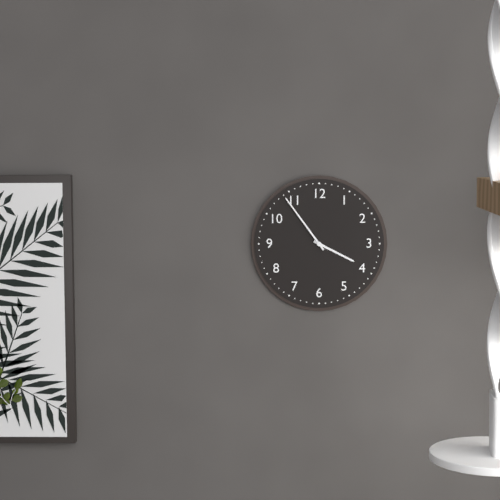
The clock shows 3:54
